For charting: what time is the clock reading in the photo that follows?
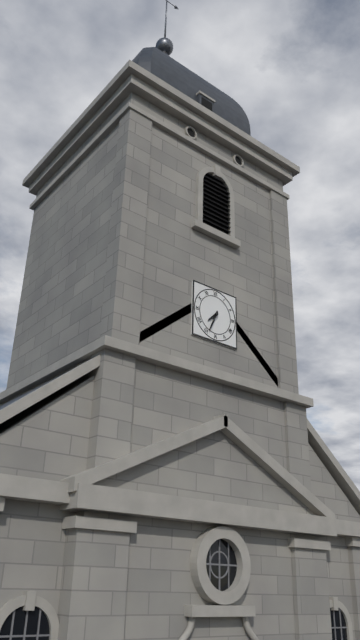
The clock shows 7:34
